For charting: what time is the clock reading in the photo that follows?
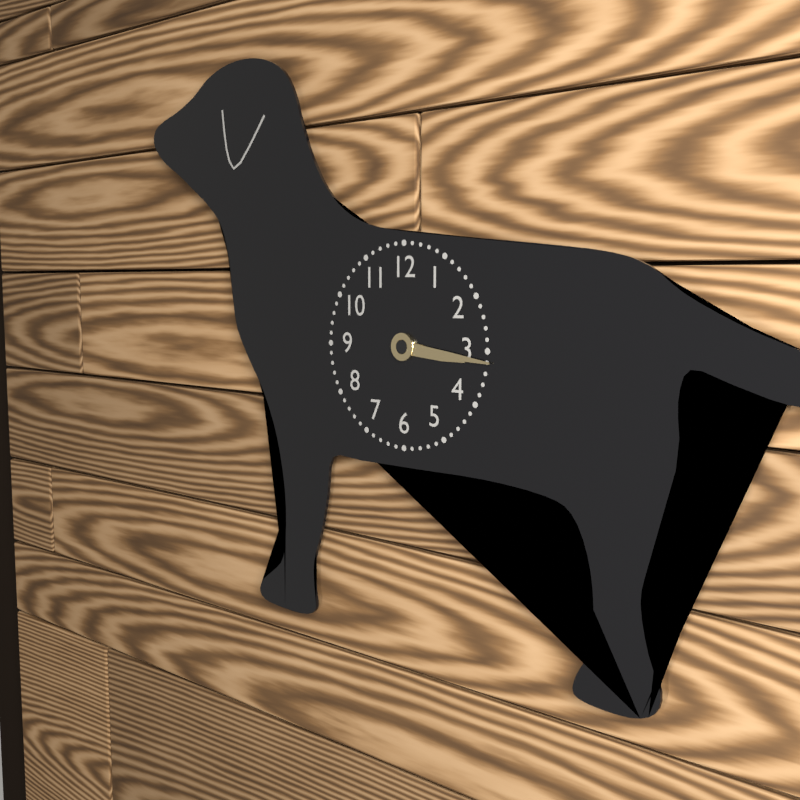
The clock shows 3:16
